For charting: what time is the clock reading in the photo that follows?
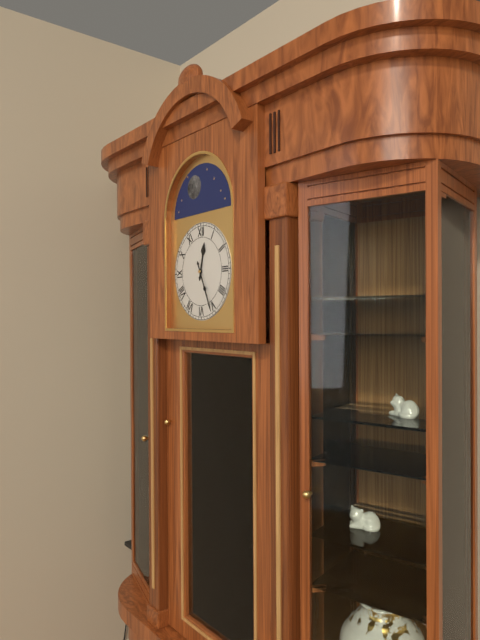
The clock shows 12:26
